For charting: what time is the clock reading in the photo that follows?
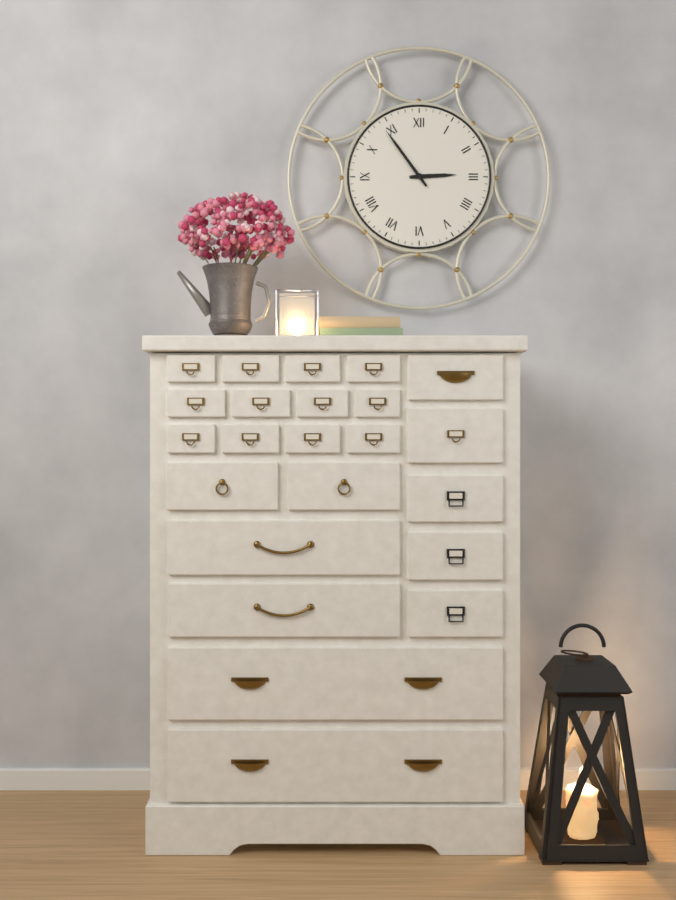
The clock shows 2:54
